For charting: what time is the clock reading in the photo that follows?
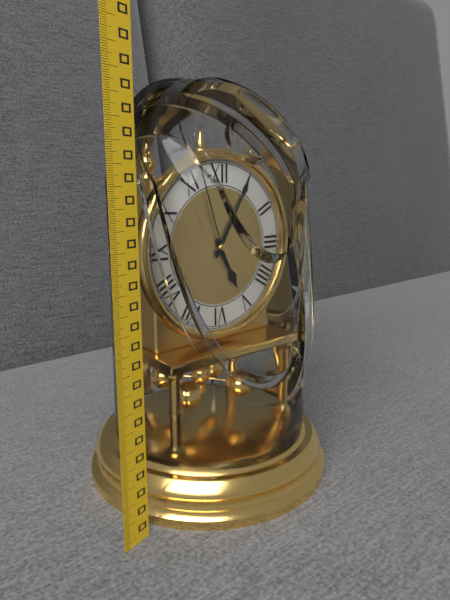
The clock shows 5:05:57
